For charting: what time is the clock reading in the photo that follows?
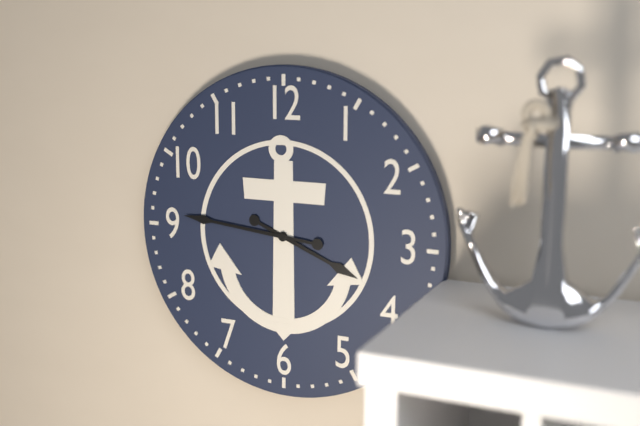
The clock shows 3:46
